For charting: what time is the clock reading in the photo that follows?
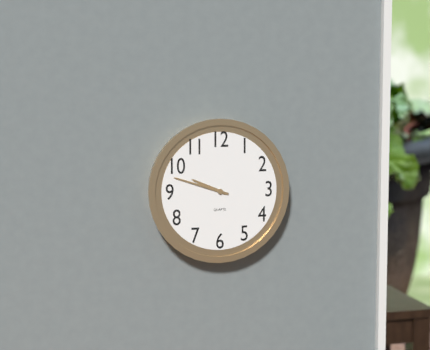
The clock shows 9:48
